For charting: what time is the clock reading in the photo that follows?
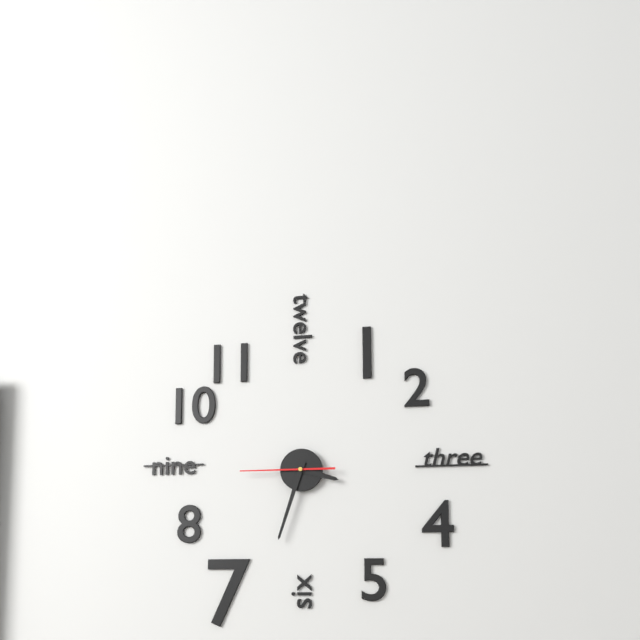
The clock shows 3:33:45
